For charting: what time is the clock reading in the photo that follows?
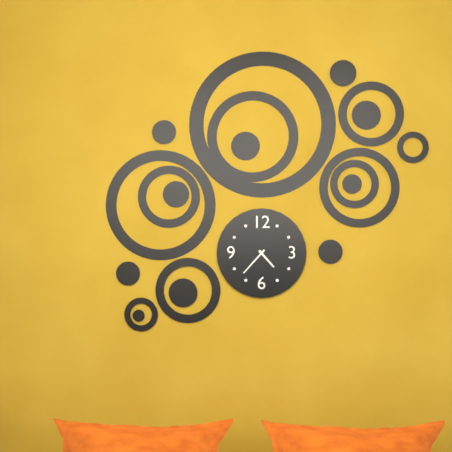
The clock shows 4:37
